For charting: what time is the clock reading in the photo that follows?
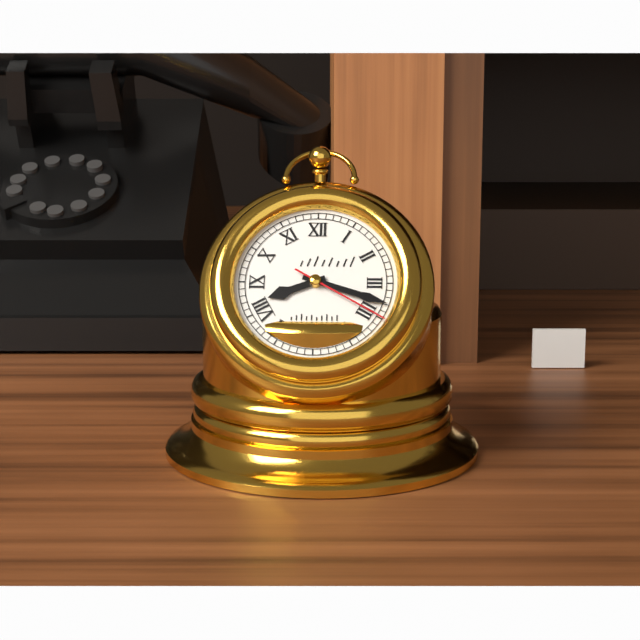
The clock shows 8:18:20
